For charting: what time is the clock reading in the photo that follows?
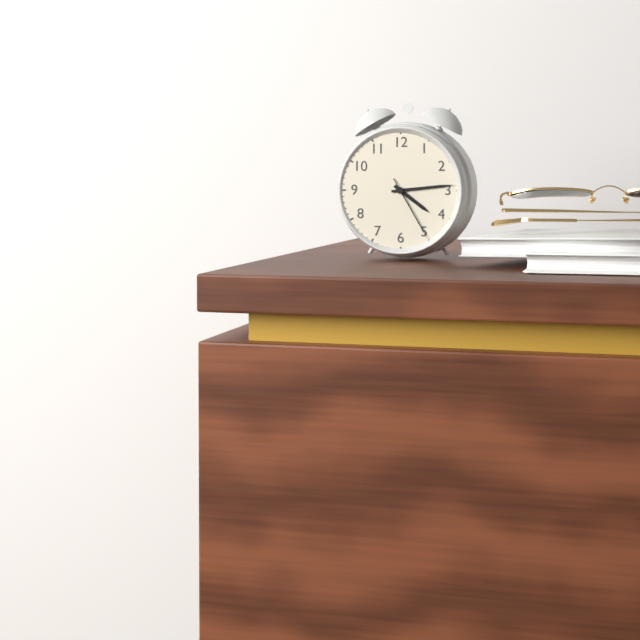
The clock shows 4:14:25
